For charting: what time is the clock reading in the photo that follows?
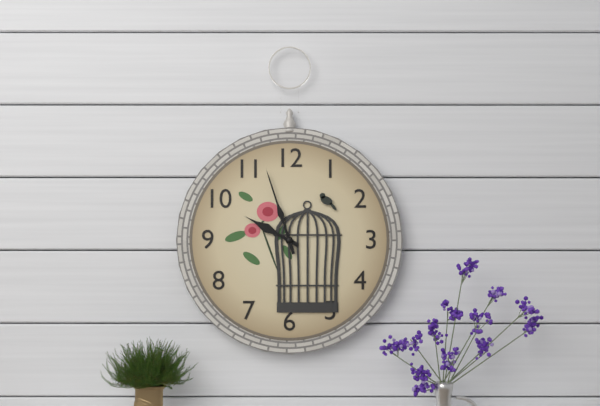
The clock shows 9:57
